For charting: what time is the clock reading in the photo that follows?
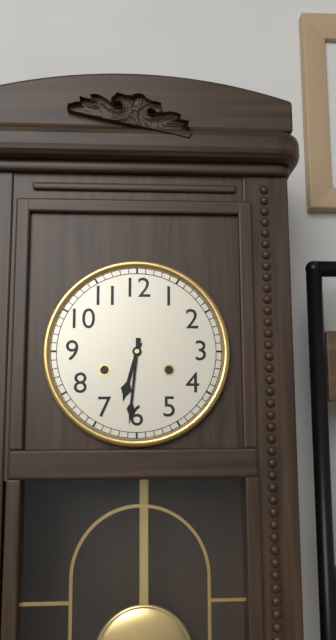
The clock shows 6:31
